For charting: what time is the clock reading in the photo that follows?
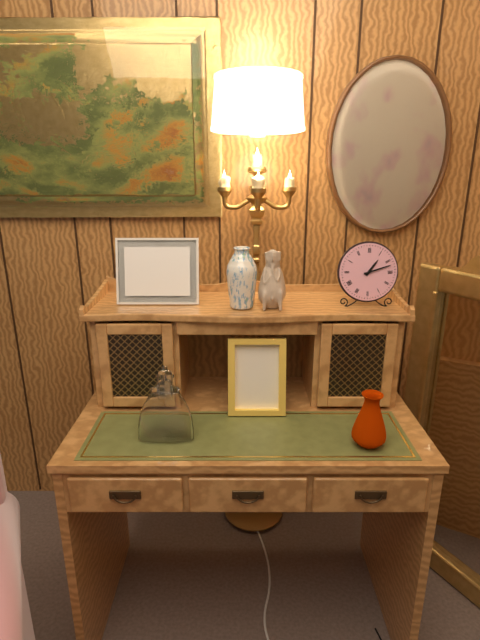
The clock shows 1:12
